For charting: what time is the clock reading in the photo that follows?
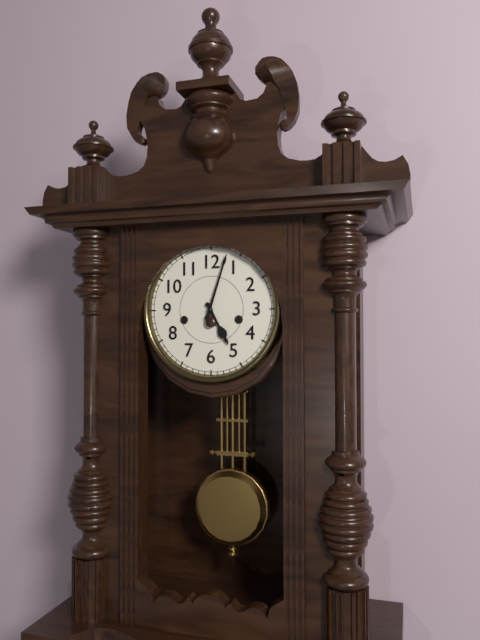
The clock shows 5:03
